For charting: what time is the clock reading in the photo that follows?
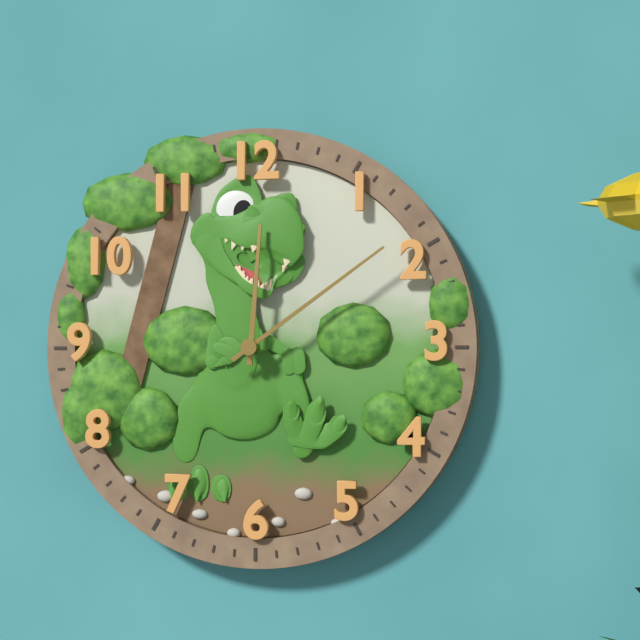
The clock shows 12:09
